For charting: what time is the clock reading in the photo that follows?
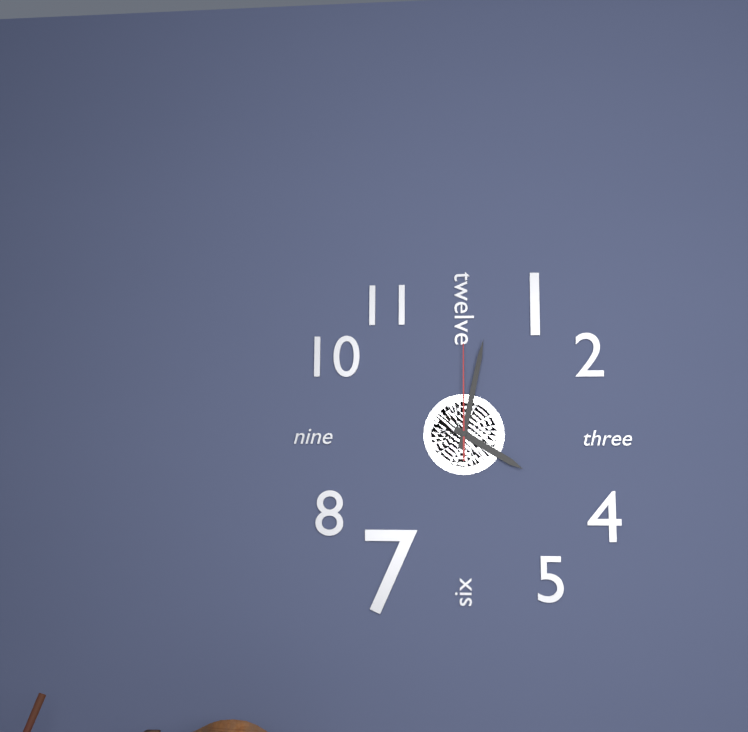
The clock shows 4:02:00
